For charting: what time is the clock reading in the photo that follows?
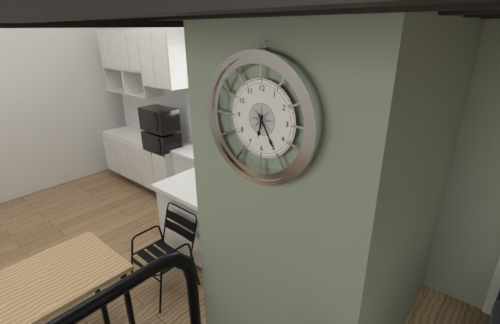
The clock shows 6:25
